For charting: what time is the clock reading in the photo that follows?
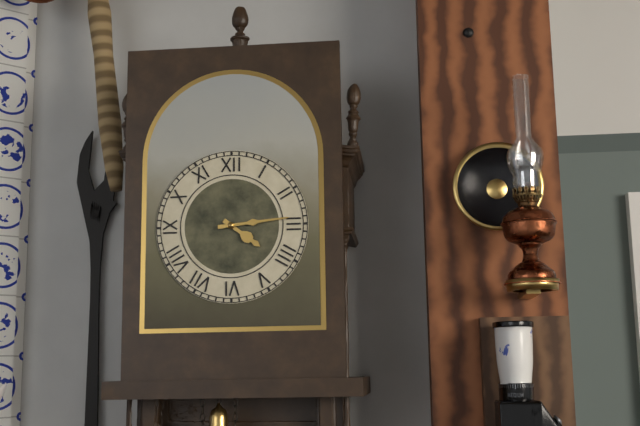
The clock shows 4:14
